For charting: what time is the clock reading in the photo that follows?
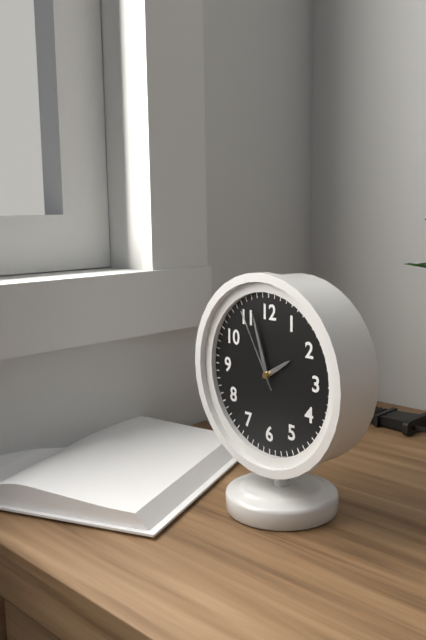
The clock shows 1:57:55
